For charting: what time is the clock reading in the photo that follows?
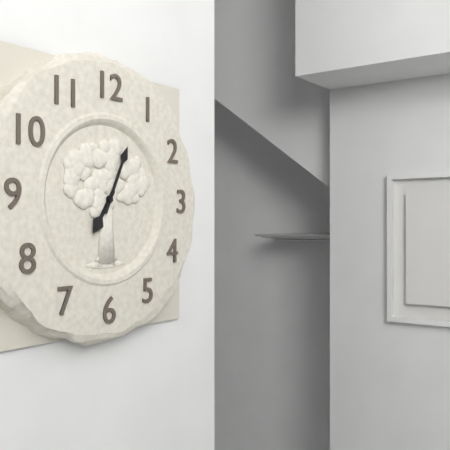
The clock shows 7:04
